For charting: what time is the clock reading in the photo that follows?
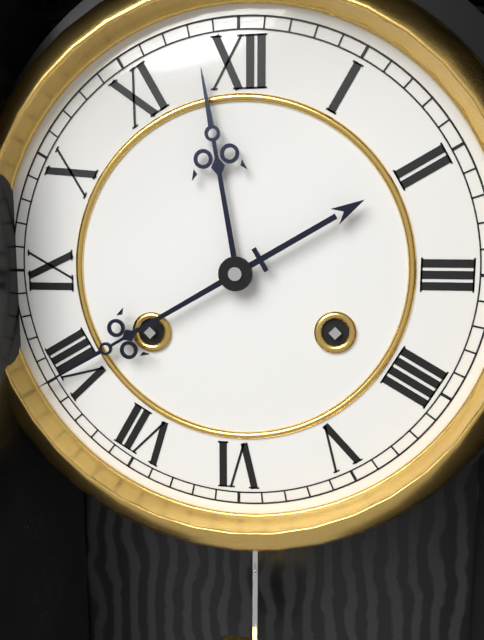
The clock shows 11:40
